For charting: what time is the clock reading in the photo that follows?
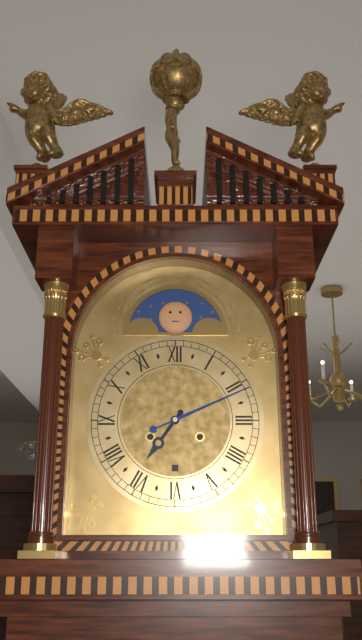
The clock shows 7:11
